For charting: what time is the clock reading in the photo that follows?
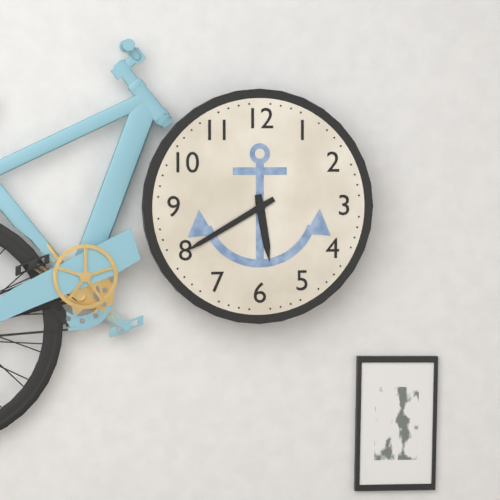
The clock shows 5:40
